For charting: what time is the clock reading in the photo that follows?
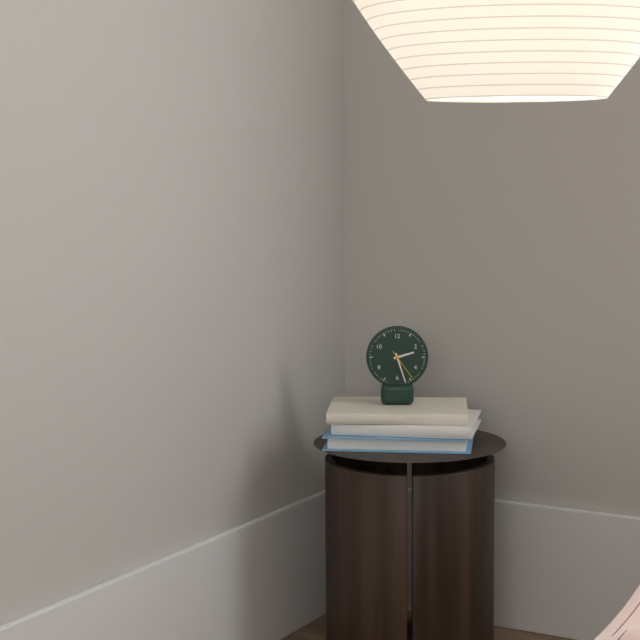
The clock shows 2:27
